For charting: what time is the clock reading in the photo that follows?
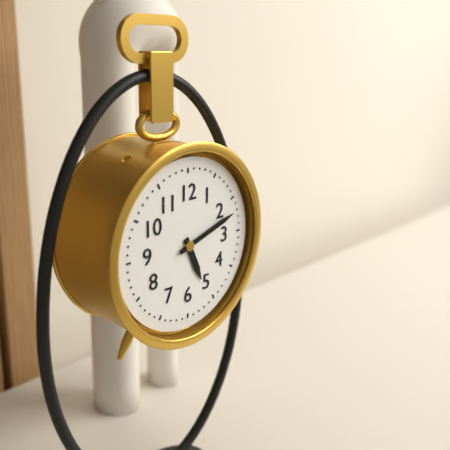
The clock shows 5:12
